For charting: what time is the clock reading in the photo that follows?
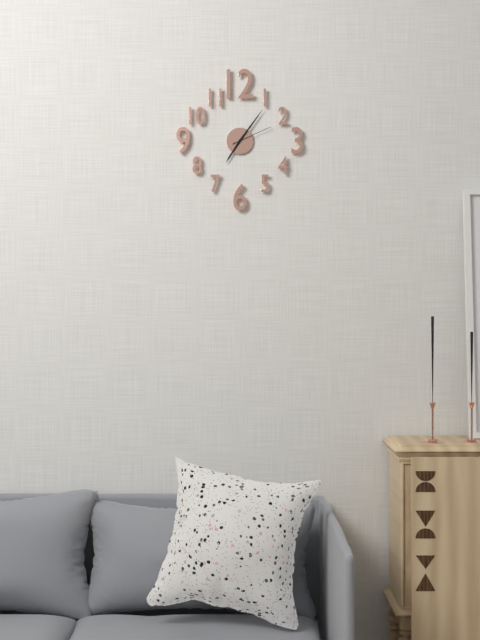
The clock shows 7:06
